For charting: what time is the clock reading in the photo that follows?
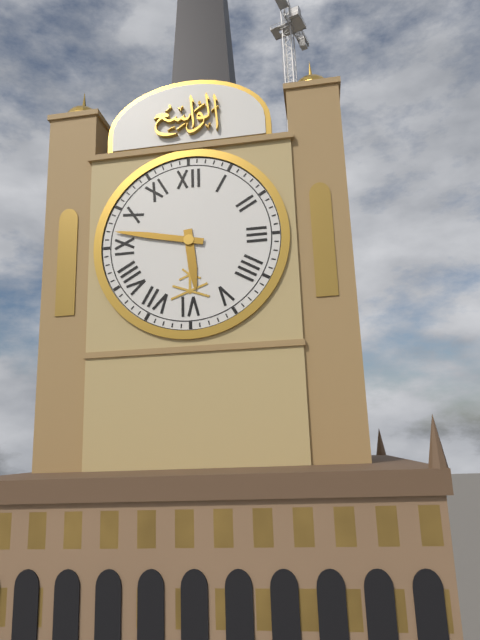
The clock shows 5:47
